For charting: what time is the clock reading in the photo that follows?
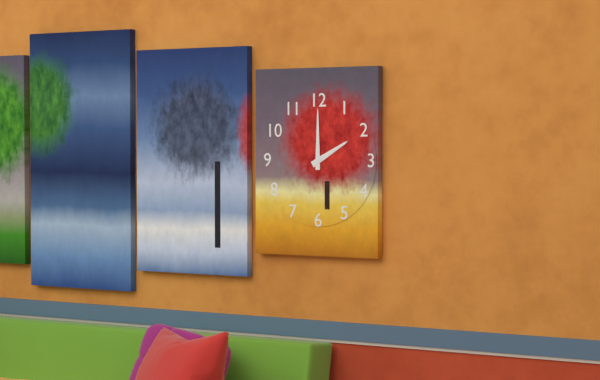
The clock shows 2:00
